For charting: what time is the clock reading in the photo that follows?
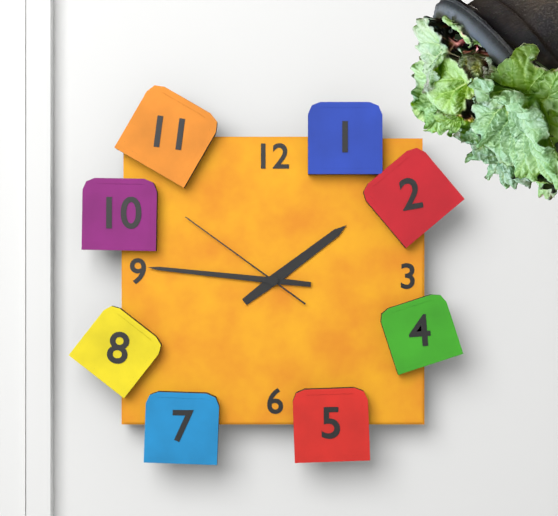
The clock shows 1:46:51
